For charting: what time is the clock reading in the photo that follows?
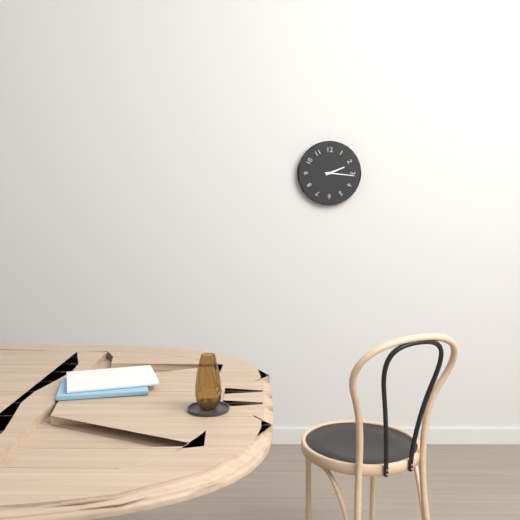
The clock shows 2:16
